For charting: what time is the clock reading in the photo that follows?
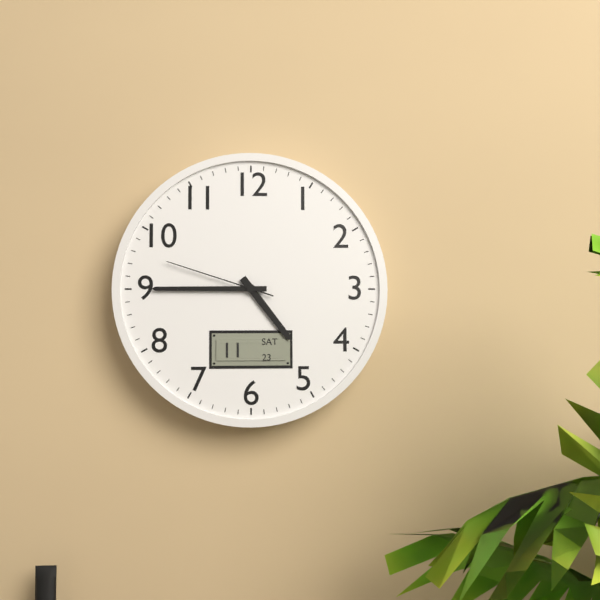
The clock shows 4:45:48
